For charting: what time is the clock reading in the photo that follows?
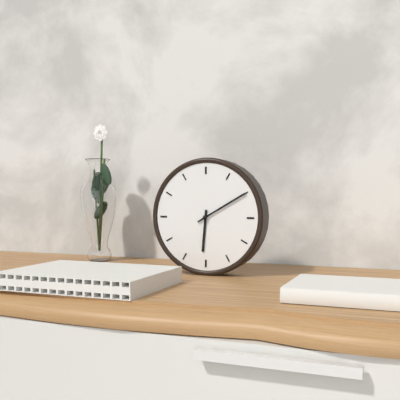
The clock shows 6:10
